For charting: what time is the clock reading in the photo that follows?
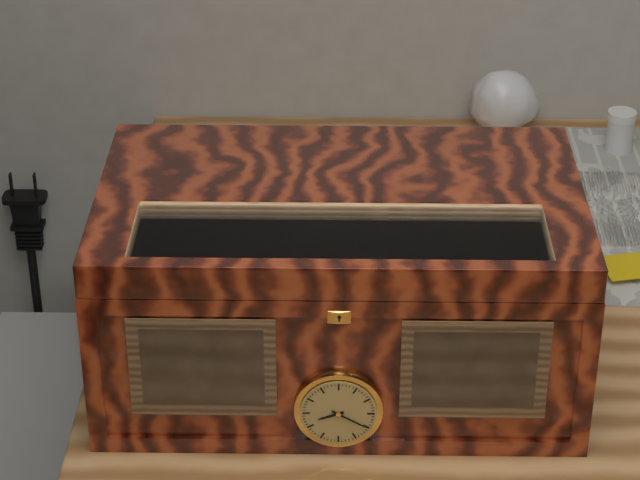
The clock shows 8:20
